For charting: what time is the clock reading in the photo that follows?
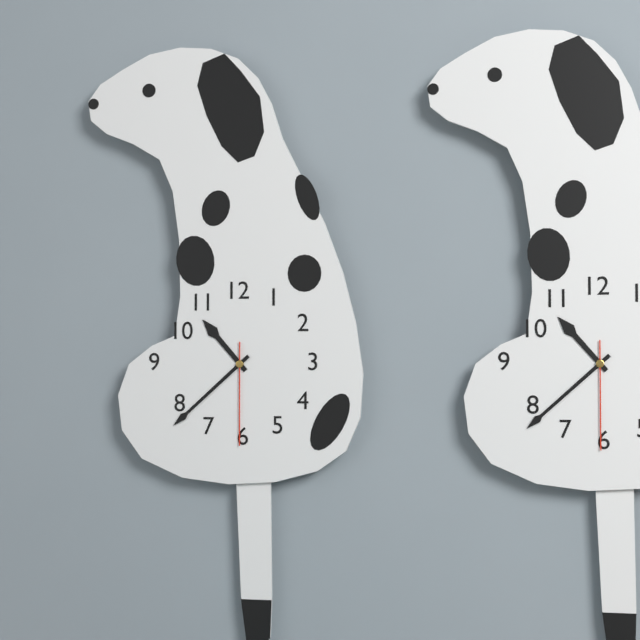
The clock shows 10:38:30
